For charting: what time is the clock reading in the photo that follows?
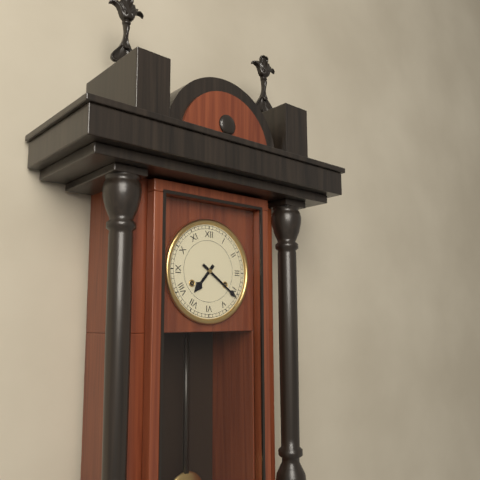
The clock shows 7:21
